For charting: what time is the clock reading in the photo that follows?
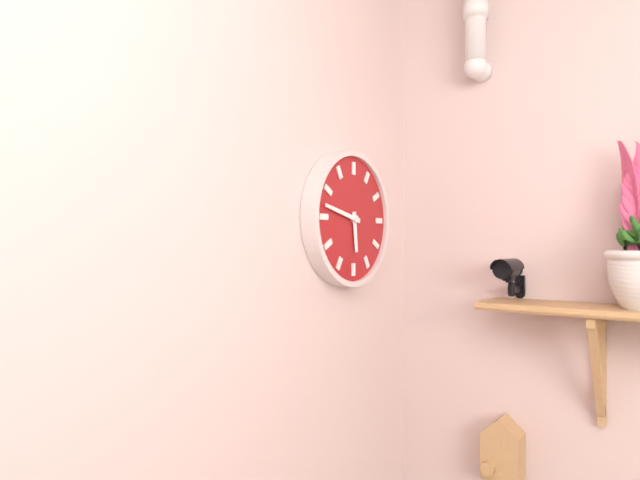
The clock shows 5:47
